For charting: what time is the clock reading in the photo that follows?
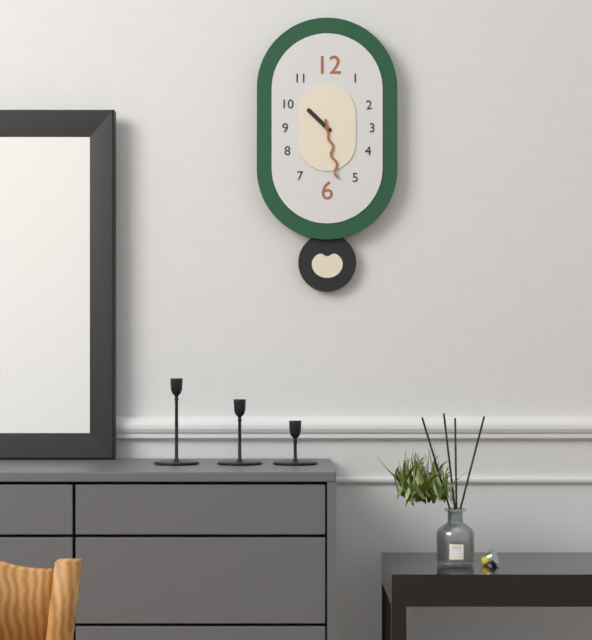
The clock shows 10:28
